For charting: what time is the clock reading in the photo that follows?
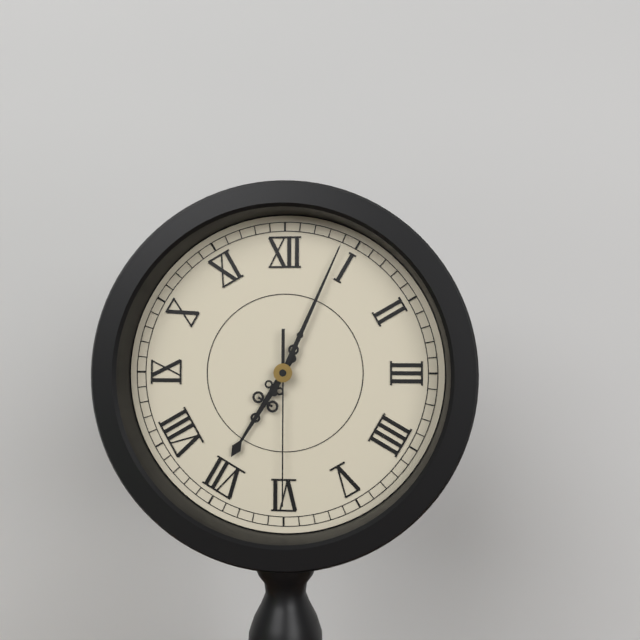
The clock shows 7:04:30
